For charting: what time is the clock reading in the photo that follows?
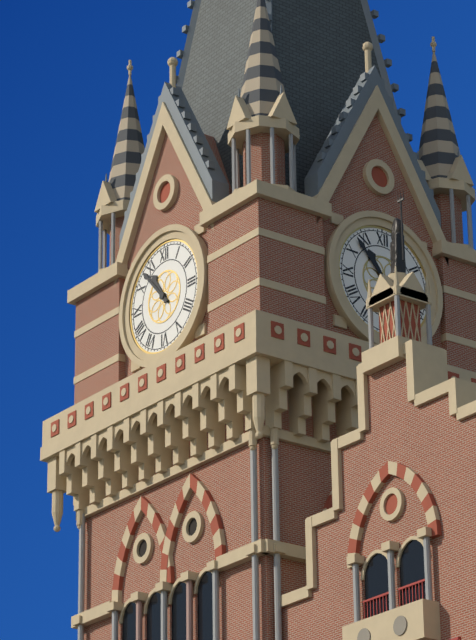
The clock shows 10:53
